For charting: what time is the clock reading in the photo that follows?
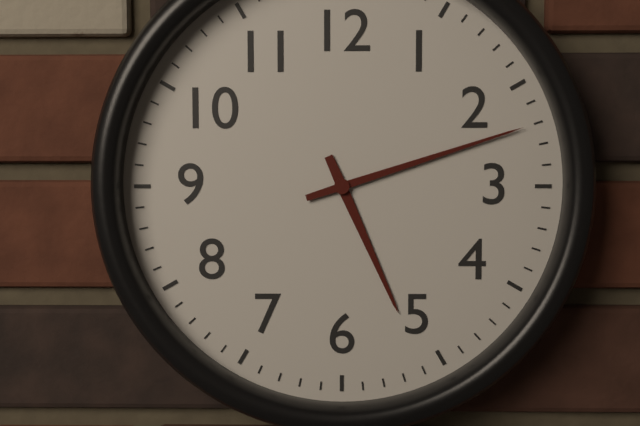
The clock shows 5:12
